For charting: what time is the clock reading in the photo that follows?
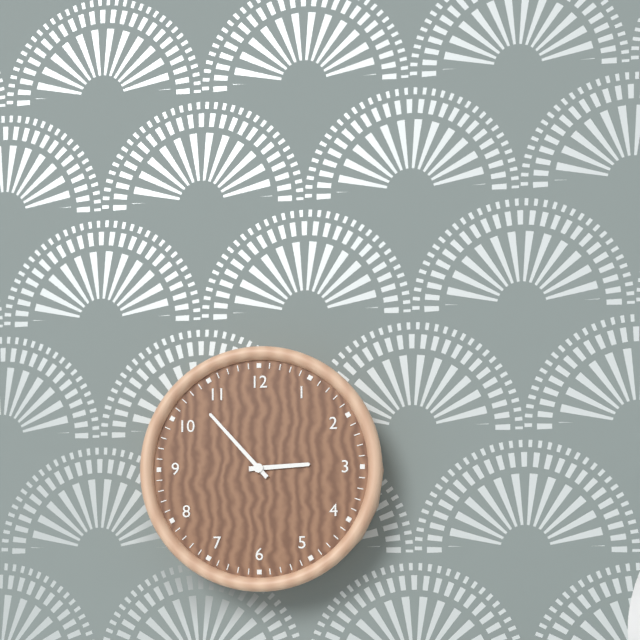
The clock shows 2:53
